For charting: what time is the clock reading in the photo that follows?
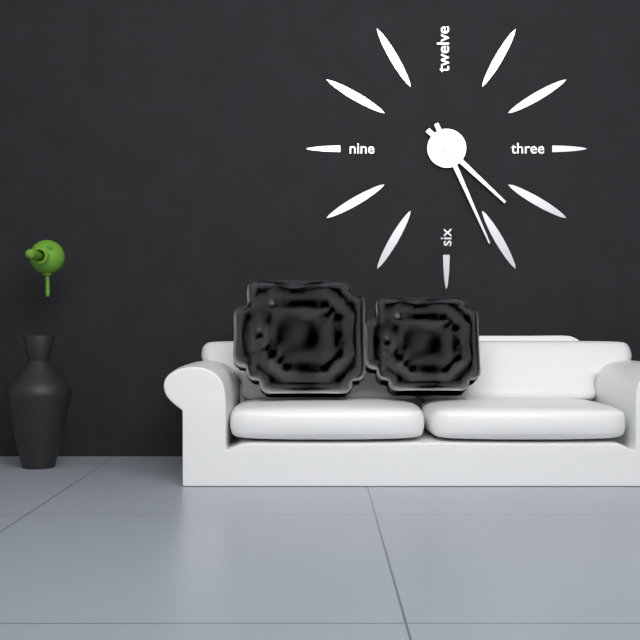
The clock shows 4:26
